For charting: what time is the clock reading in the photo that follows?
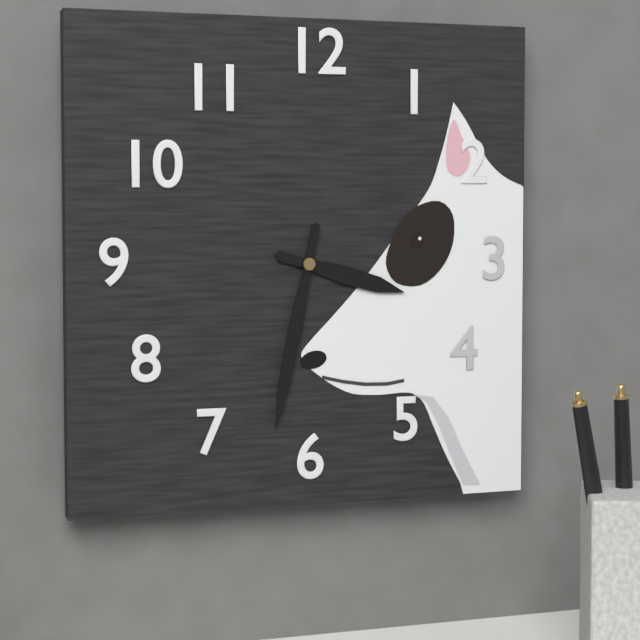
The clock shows 3:32
